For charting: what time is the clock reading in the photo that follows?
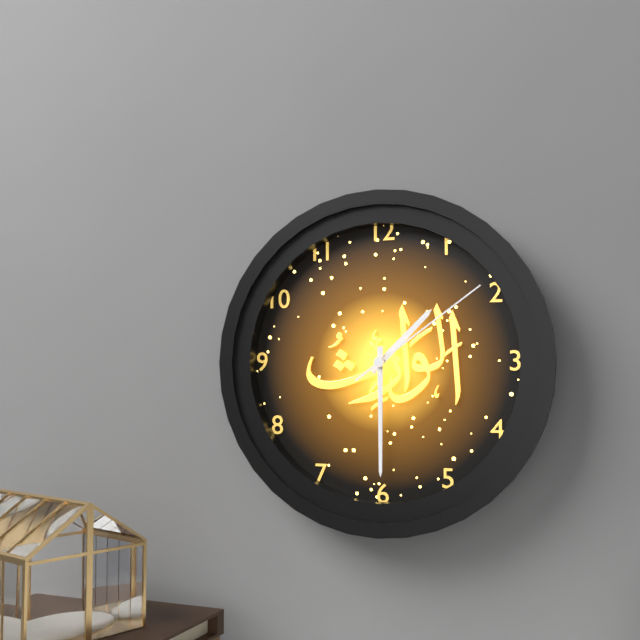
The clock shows 1:30:09
